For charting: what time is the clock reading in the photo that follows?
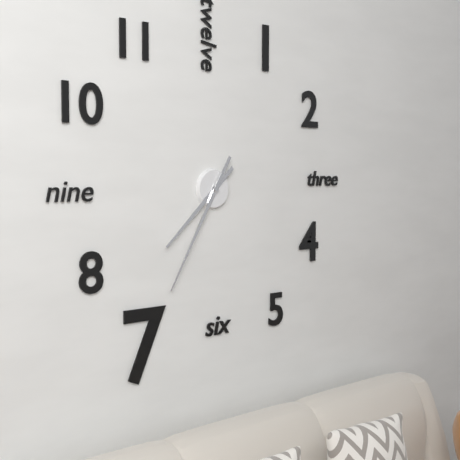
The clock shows 7:35
